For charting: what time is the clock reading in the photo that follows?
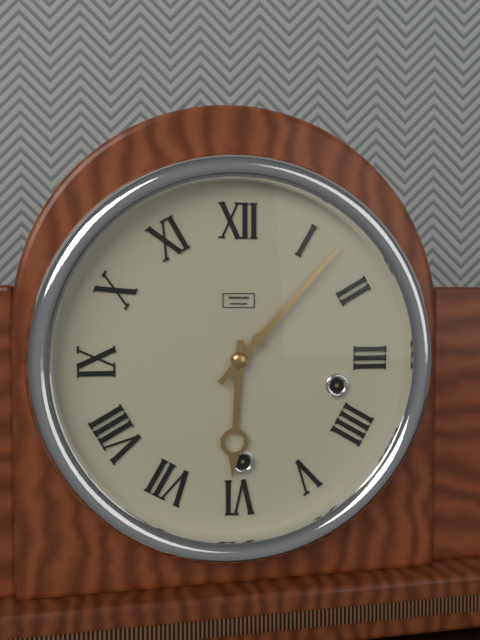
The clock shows 6:07
